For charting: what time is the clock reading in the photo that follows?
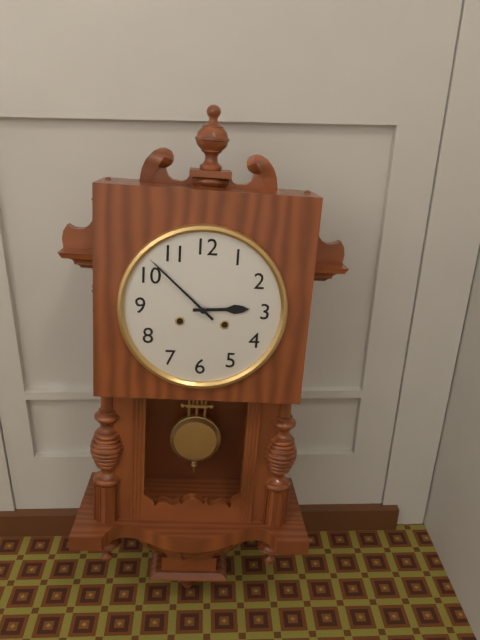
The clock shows 2:52
